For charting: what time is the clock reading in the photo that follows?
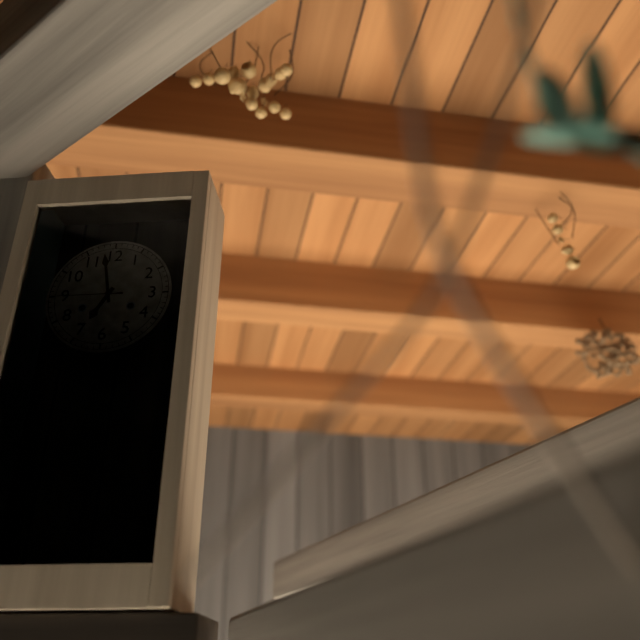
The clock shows 6:58:45
